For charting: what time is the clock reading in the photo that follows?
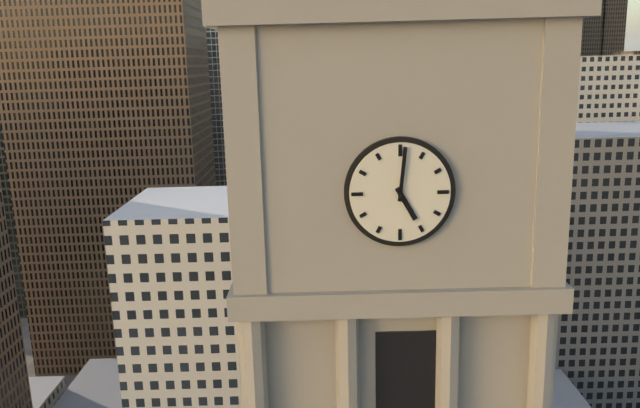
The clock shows 5:01
